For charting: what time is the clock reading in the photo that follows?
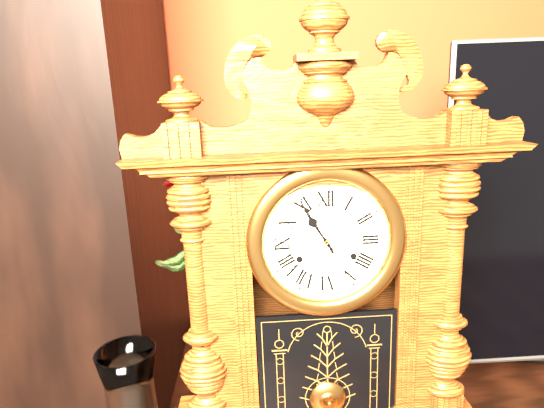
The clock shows 10:55
